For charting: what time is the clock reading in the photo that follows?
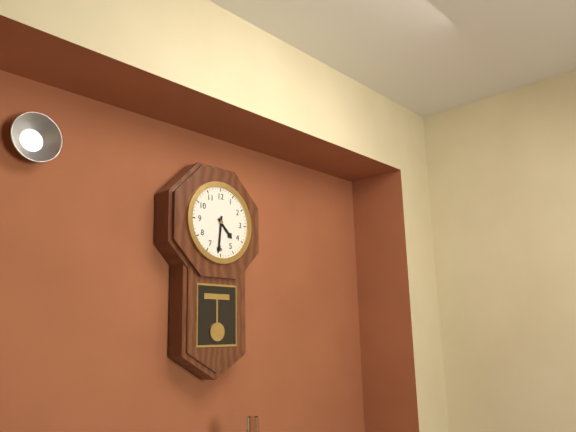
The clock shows 4:31
